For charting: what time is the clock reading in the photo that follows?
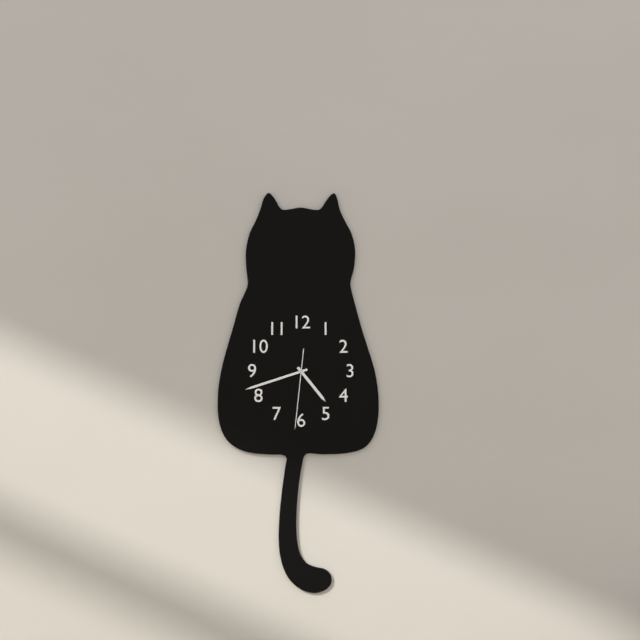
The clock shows 4:42:31
